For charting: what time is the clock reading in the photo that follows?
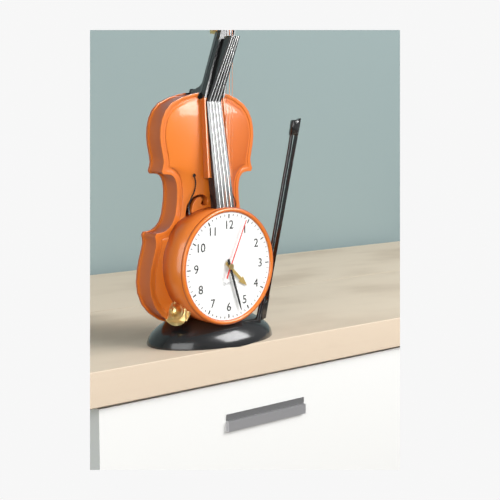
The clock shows 4:27:04
